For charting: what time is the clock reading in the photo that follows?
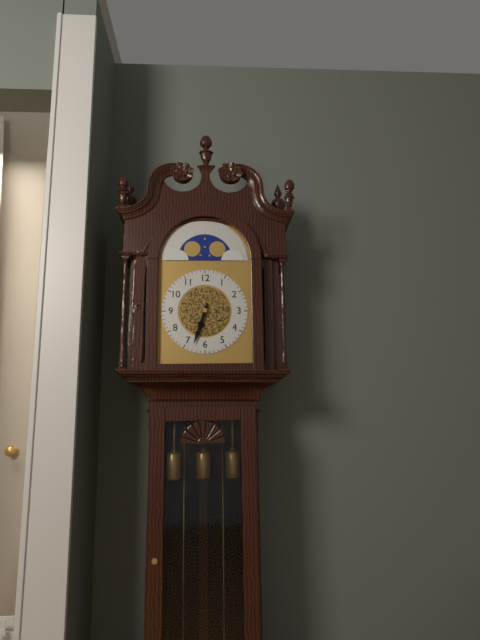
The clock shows 6:33
